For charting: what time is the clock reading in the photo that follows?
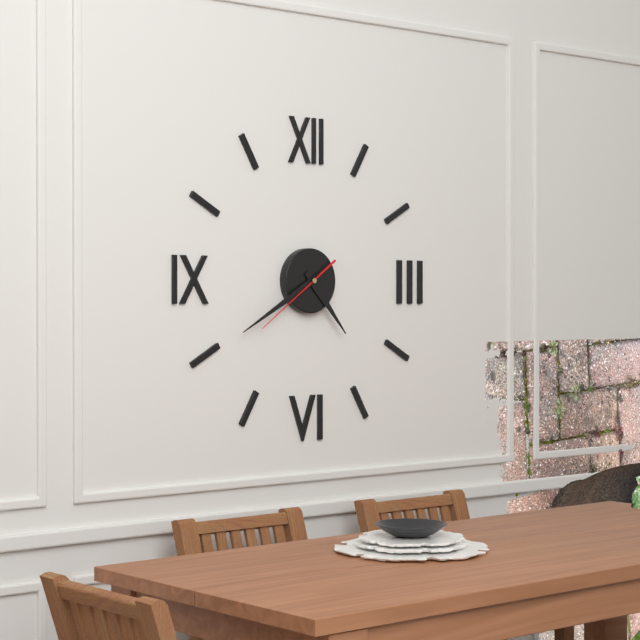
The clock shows 4:40:39
